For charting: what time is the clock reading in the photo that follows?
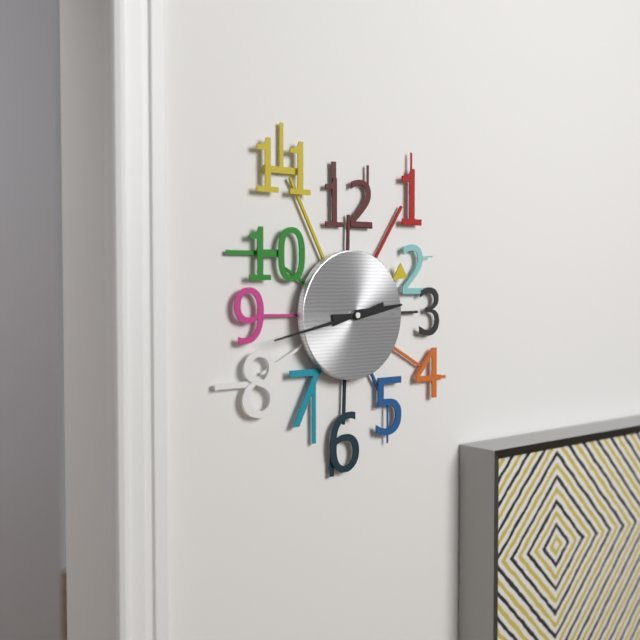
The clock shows 2:43
